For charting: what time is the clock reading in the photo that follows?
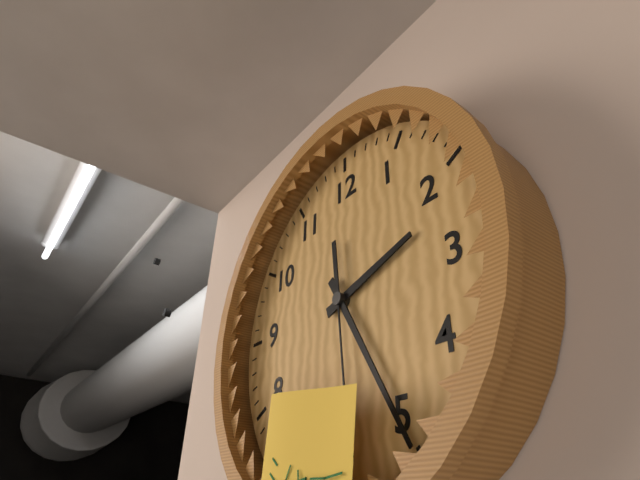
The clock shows 2:25
